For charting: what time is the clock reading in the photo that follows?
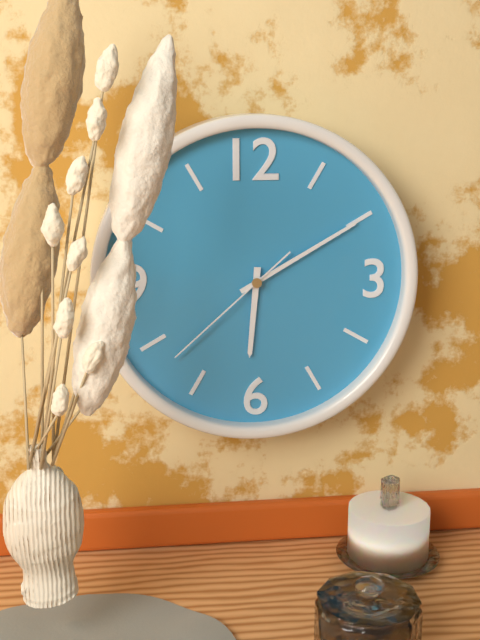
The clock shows 6:10:38
